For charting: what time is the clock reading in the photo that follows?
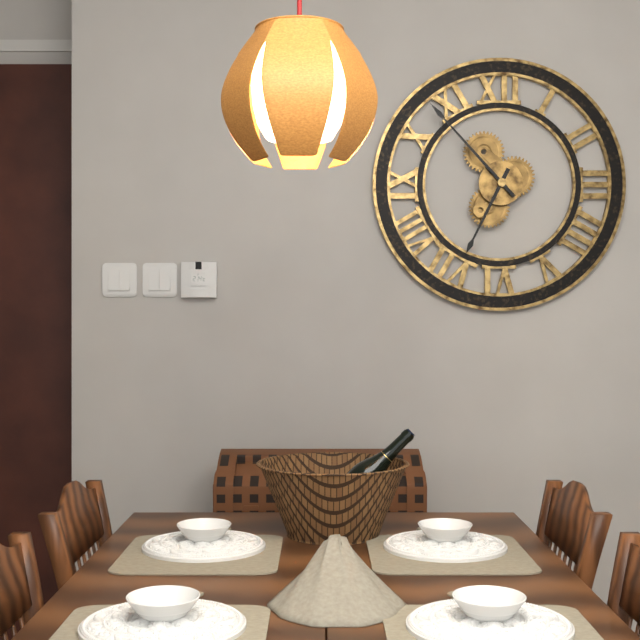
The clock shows 6:53
